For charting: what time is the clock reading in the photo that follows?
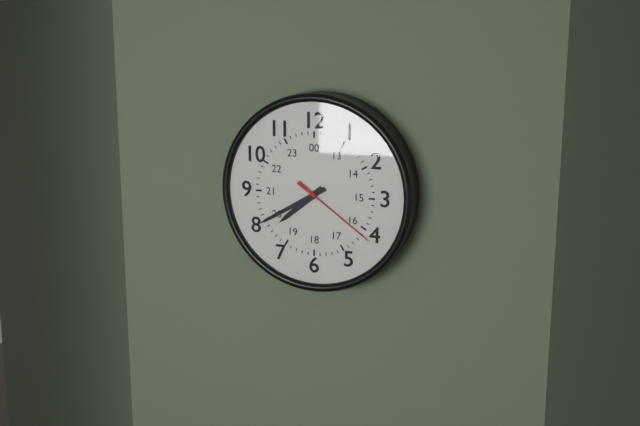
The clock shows 7:40:21
